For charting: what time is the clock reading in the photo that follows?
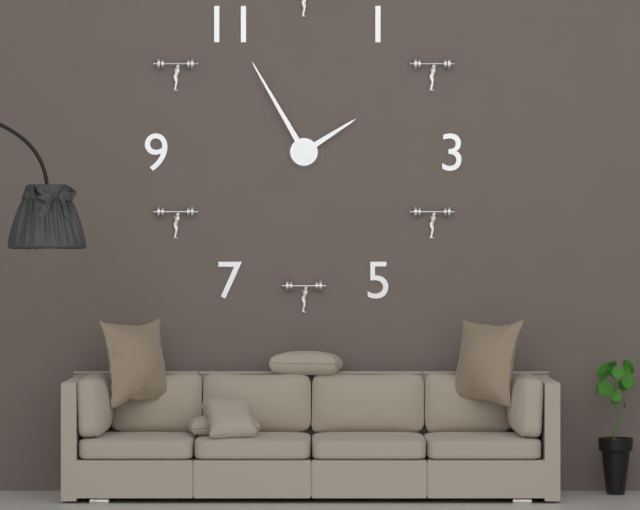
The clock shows 1:55
